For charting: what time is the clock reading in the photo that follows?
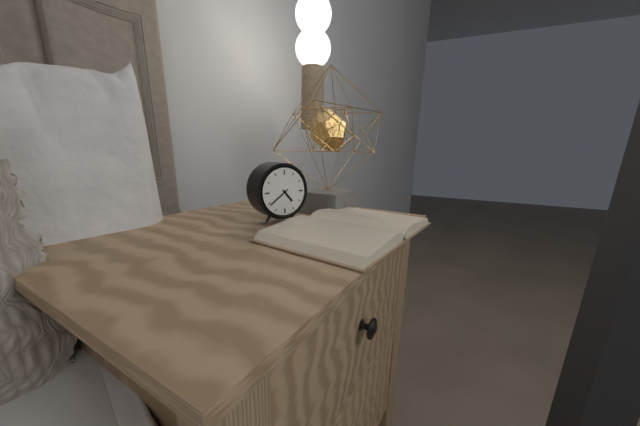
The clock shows 4:39
